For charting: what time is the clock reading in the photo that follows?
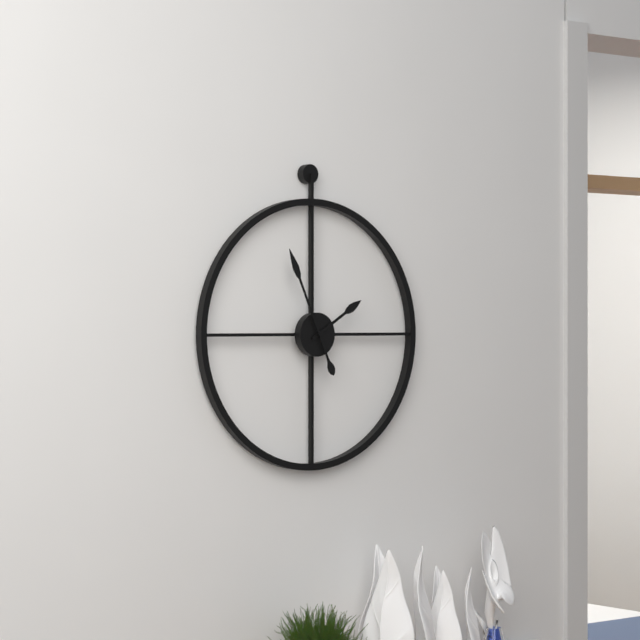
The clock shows 1:56
